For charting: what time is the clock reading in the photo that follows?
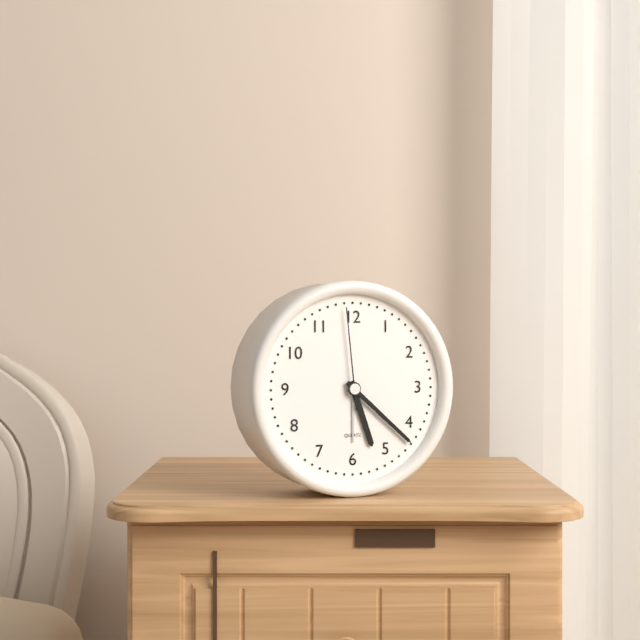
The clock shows 5:22:59
